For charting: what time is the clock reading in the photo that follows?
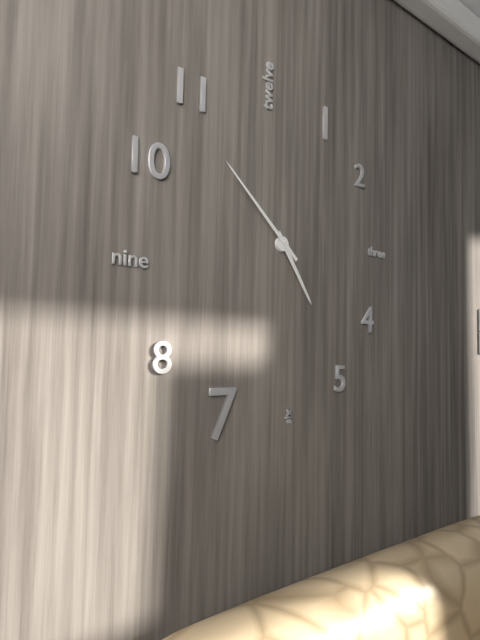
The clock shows 4:52
